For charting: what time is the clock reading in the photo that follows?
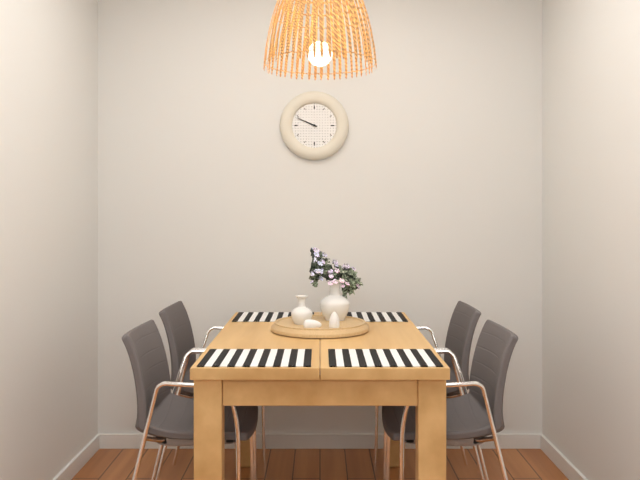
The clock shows 9:49
